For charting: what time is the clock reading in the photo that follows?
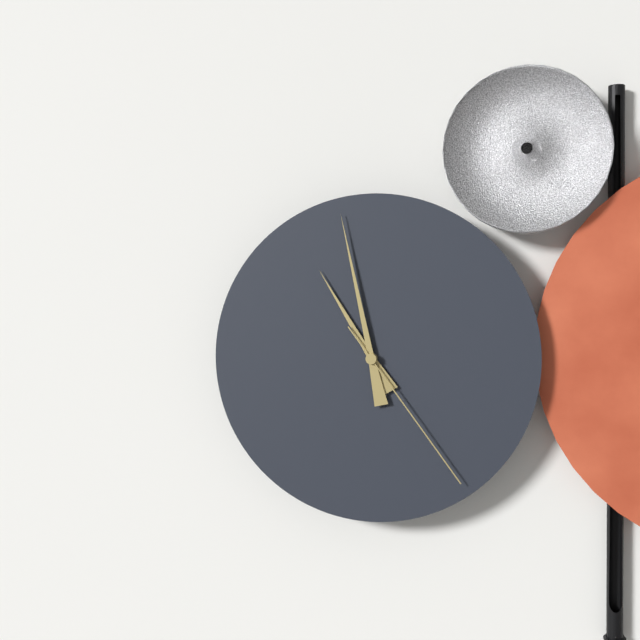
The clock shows 10:58:24
